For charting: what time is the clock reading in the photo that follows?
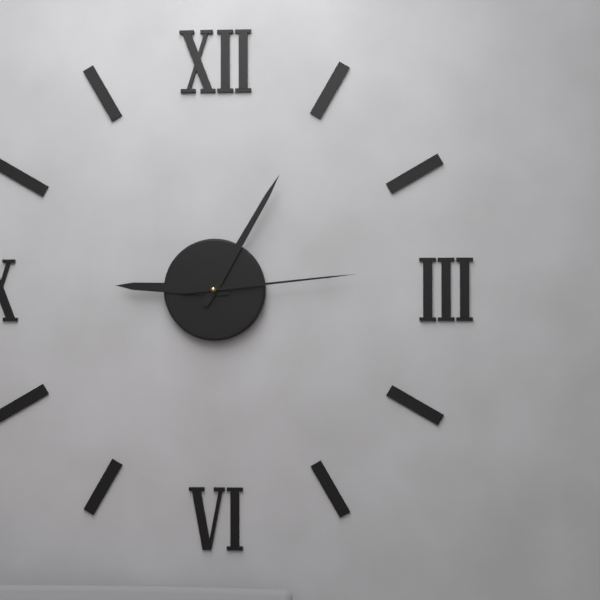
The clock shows 9:05:14
